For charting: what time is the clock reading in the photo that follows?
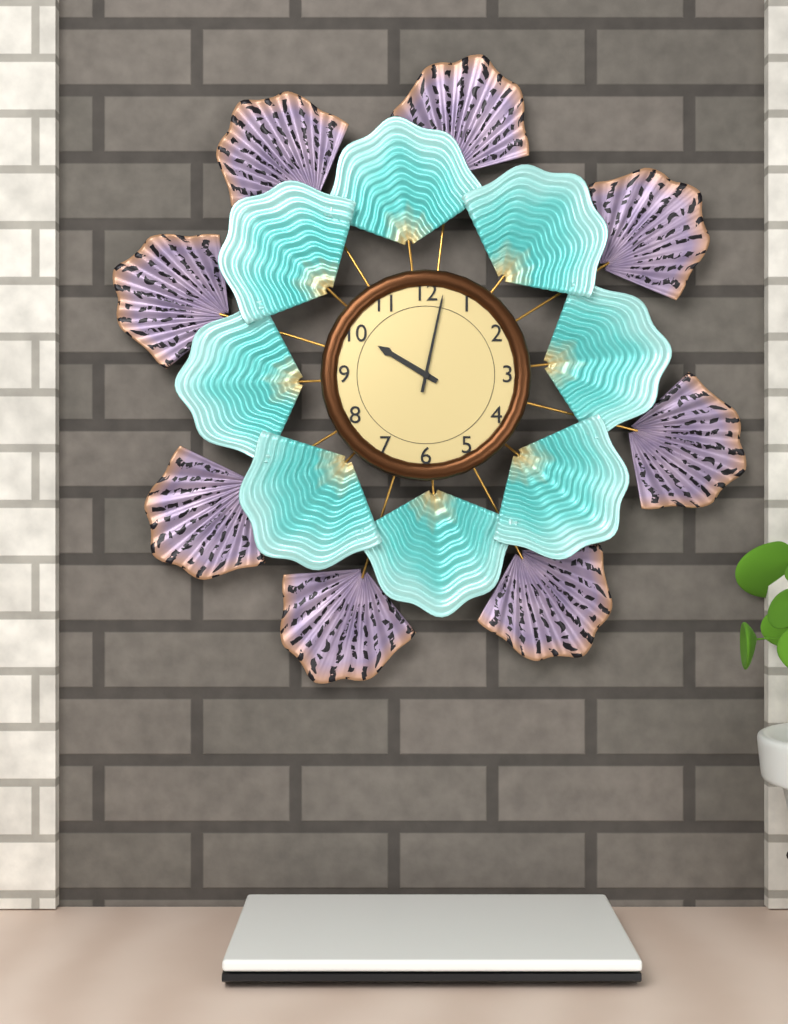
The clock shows 10:02
